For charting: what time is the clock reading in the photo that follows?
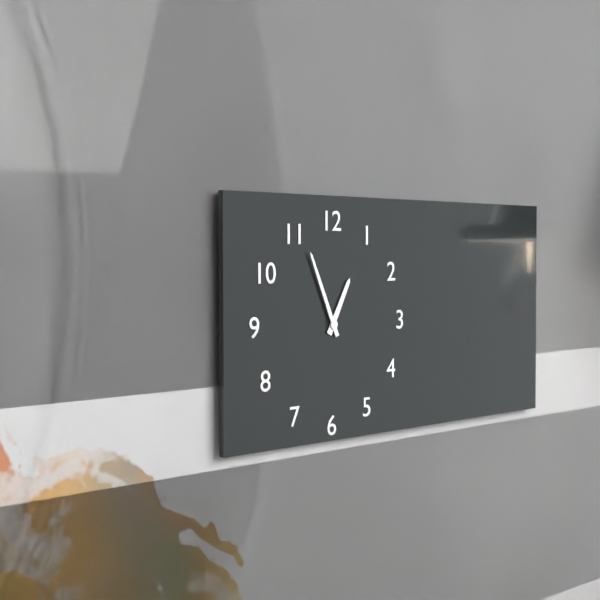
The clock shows 12:56
